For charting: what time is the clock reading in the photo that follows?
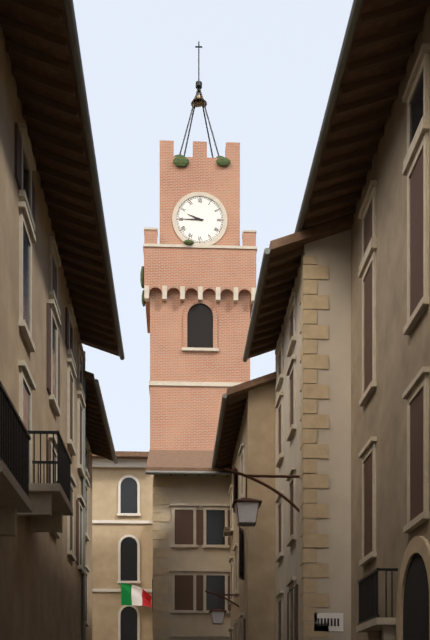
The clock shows 9:45
